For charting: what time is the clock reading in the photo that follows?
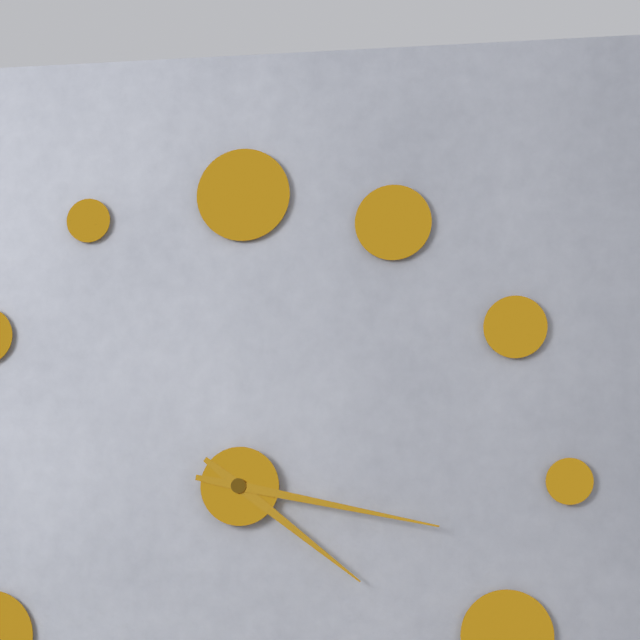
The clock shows 4:17
